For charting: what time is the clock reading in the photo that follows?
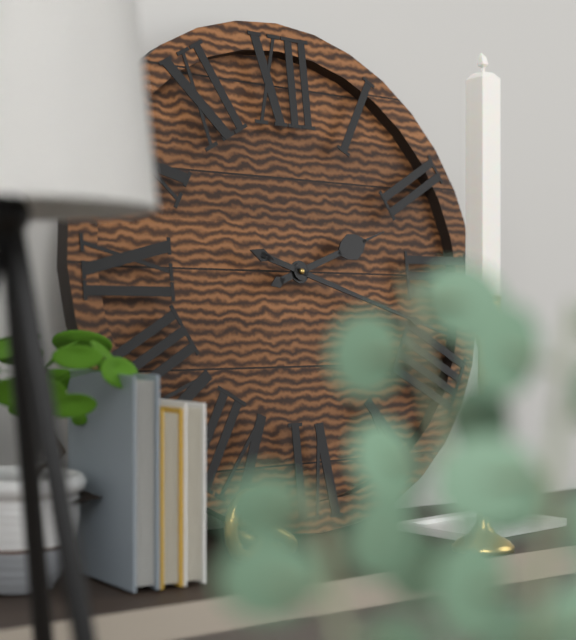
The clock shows 2:18
